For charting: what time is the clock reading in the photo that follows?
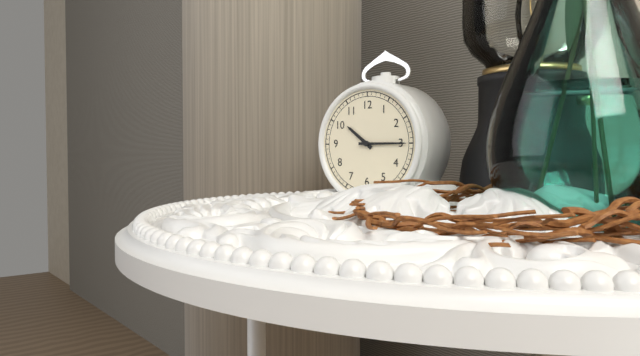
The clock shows 10:15
